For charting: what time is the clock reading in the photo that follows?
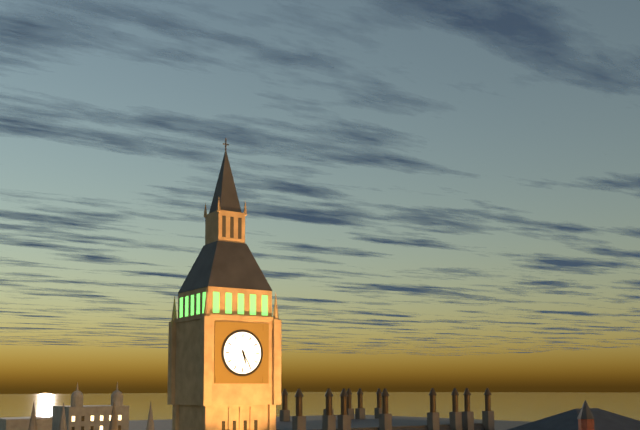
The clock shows 5:25
